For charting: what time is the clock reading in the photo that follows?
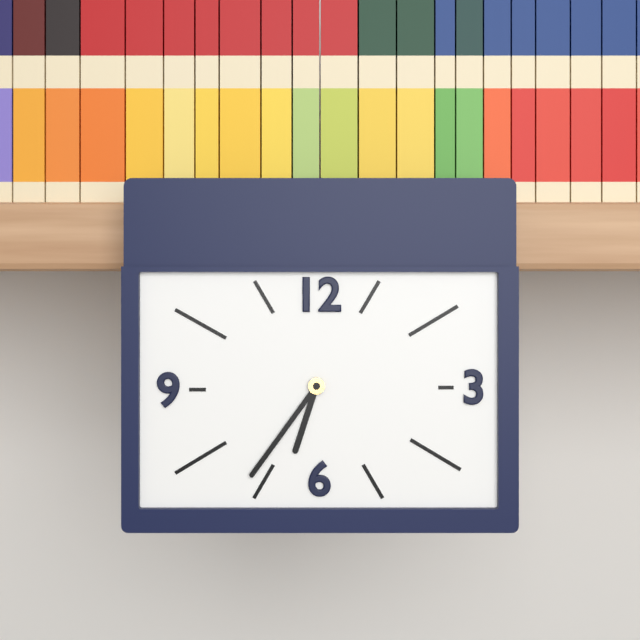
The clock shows 6:36
